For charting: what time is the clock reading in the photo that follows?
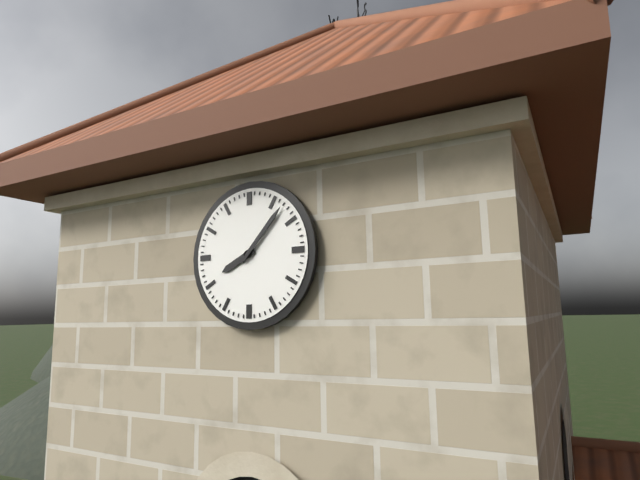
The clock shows 8:07
